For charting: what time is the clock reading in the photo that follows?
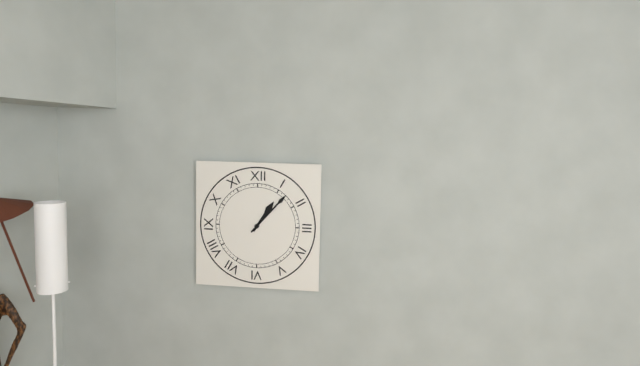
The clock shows 1:07
